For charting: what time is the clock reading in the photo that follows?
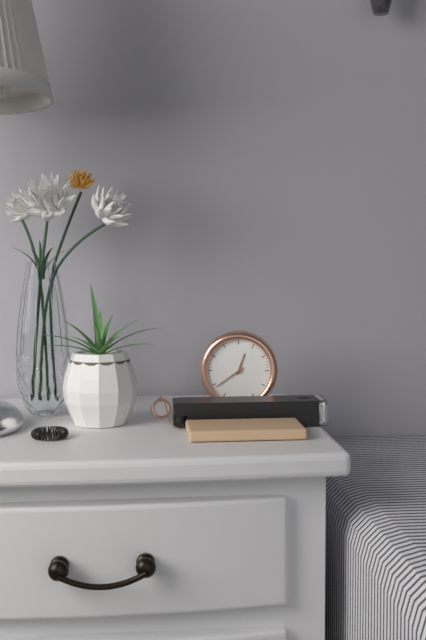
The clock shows 12:39
